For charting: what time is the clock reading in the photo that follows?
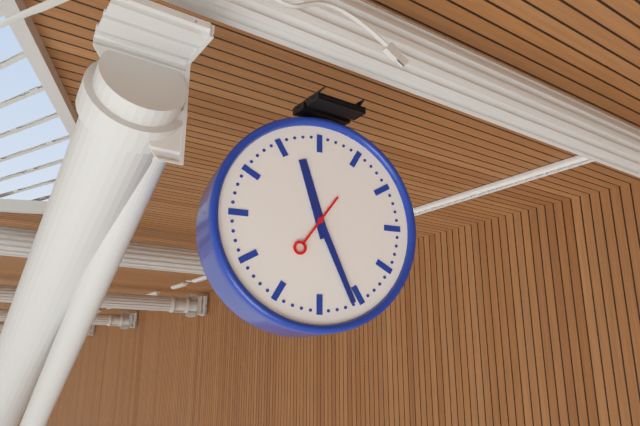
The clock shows 11:26:36
